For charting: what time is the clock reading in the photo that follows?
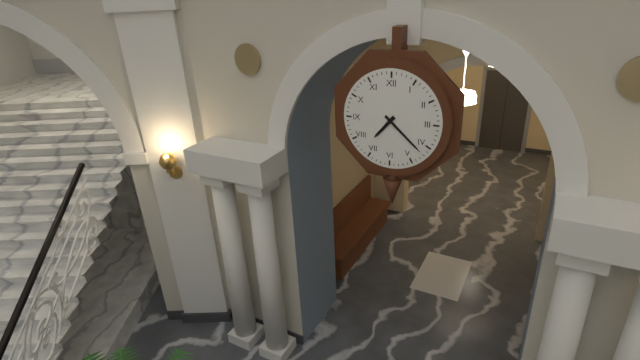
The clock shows 7:22
